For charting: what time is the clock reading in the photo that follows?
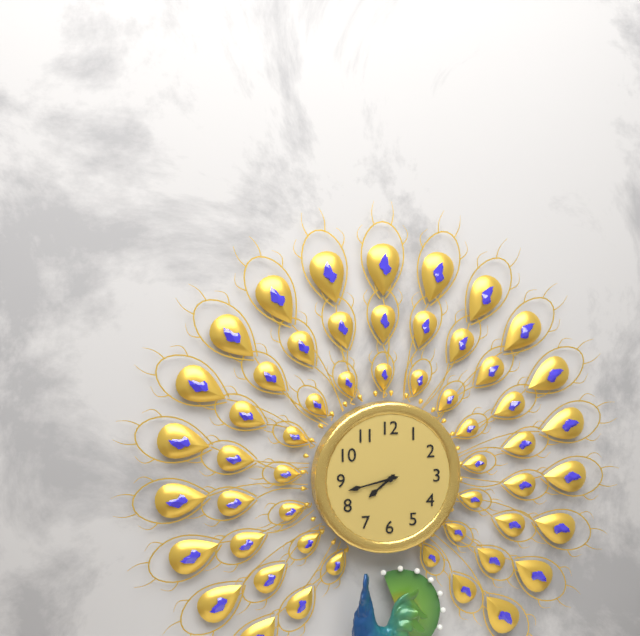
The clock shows 7:43
